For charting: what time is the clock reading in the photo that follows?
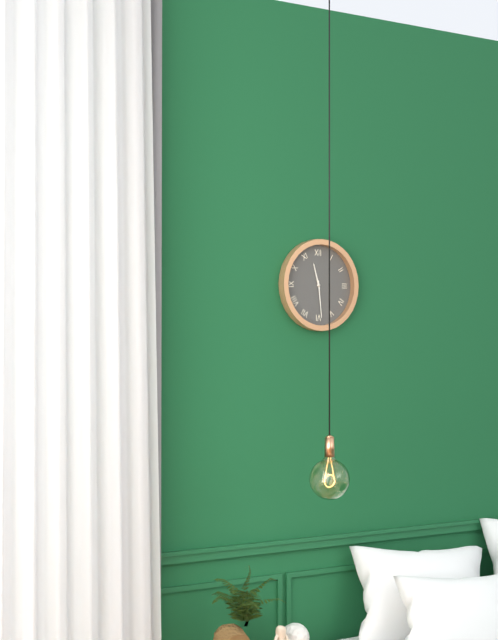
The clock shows 11:29
